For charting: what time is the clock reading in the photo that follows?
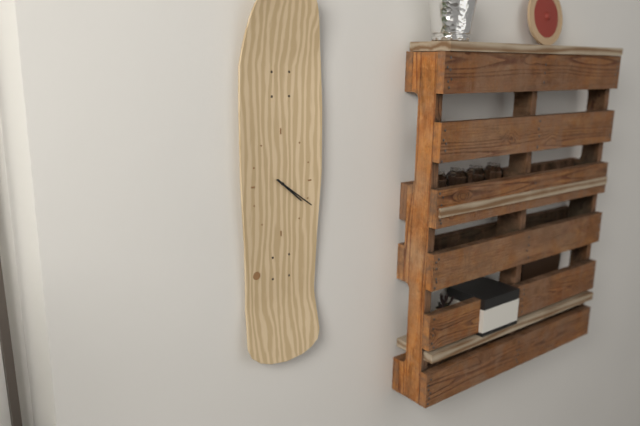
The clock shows 4:21
